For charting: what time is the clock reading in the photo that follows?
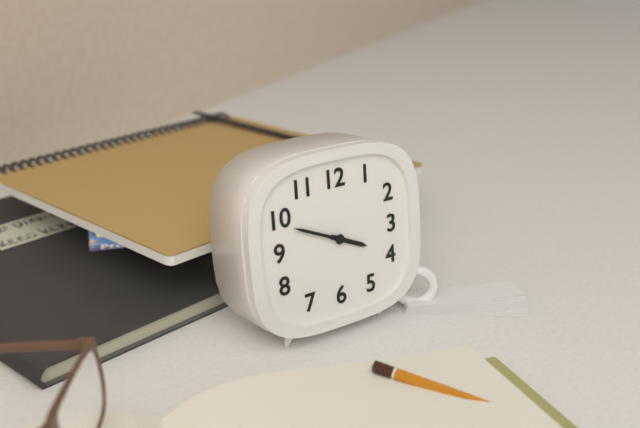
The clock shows 3:49
